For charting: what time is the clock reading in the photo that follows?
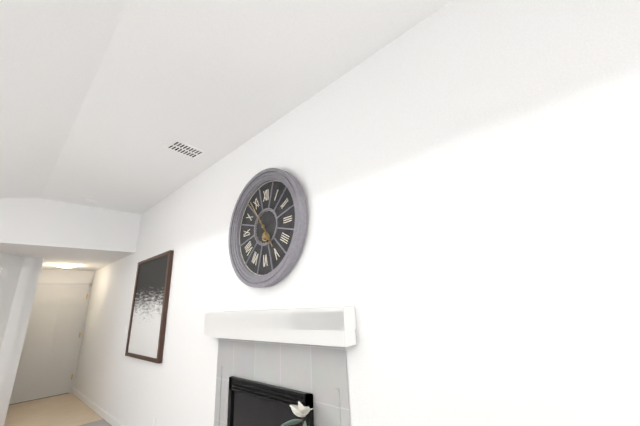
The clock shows 4:54
